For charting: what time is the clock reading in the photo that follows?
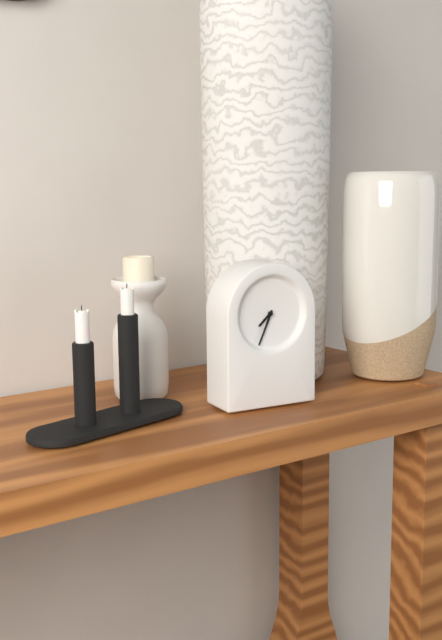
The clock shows 7:34
